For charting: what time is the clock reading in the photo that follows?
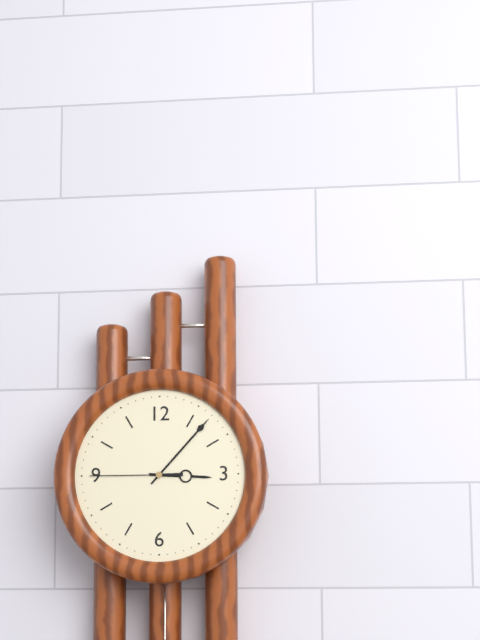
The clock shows 3:07:45
